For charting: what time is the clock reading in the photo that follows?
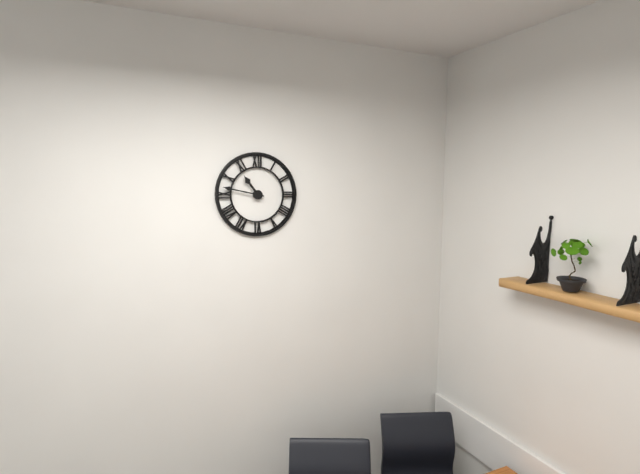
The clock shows 10:47
